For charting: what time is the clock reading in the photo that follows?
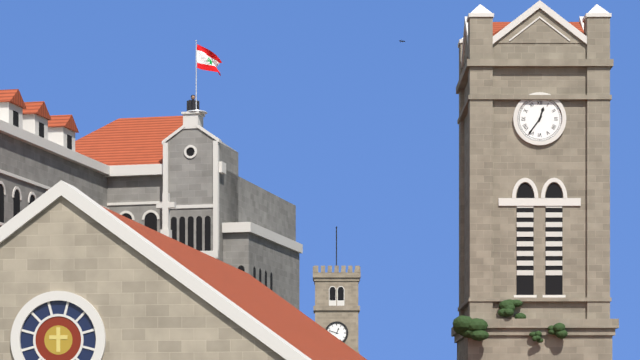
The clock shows 12:36
